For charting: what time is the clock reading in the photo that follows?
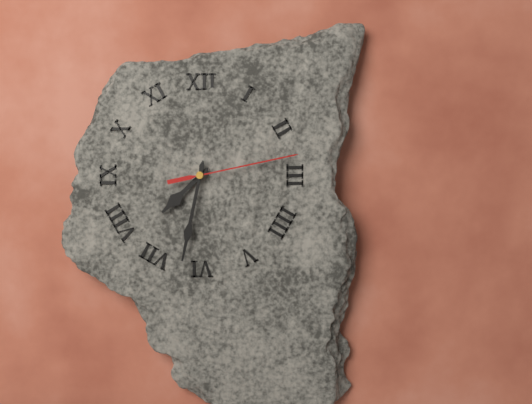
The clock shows 7:32:13
